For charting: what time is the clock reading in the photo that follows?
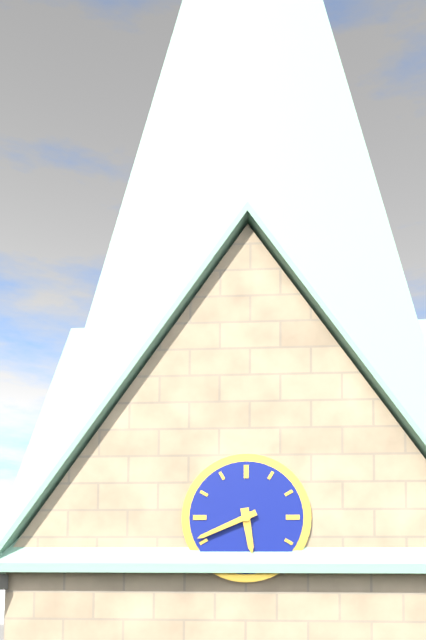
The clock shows 5:41
